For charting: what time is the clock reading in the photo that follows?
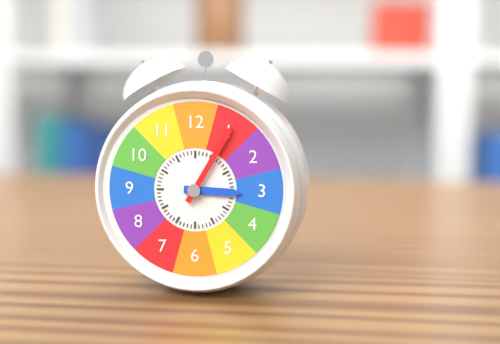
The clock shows 3:05
